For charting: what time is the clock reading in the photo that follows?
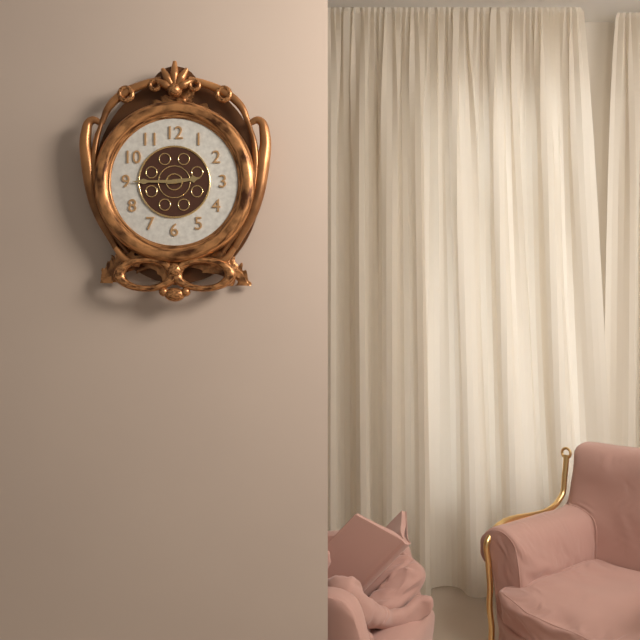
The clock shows 2:45
